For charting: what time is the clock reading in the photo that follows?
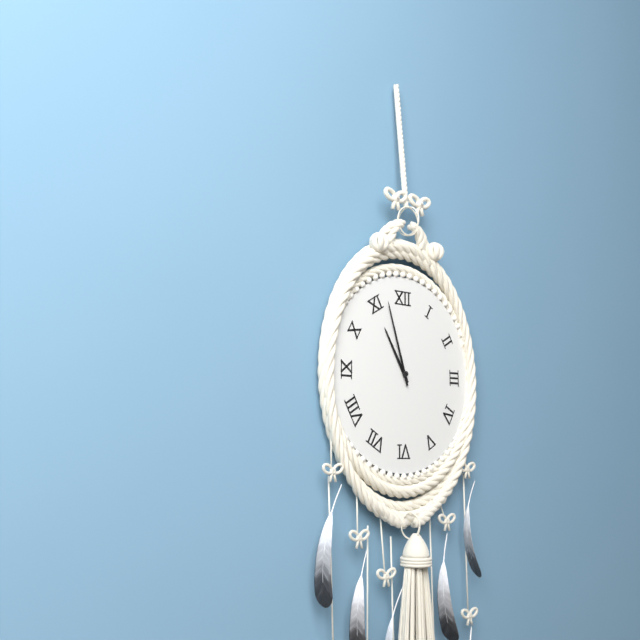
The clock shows 10:57
